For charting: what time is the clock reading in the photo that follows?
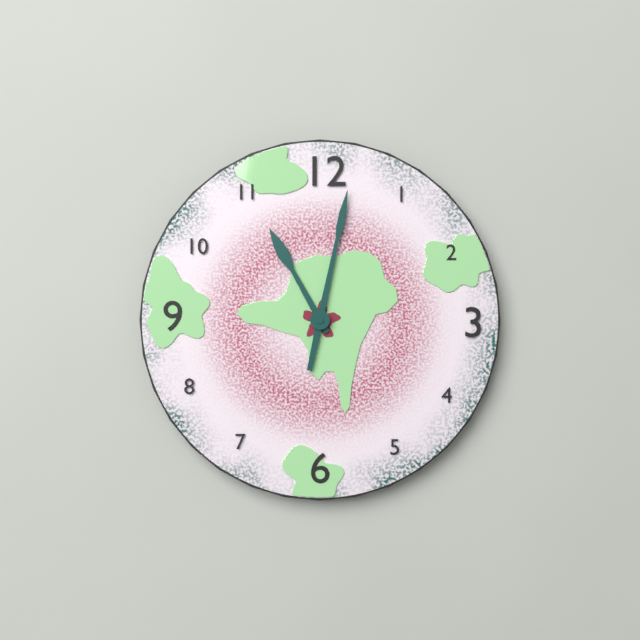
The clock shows 11:02
